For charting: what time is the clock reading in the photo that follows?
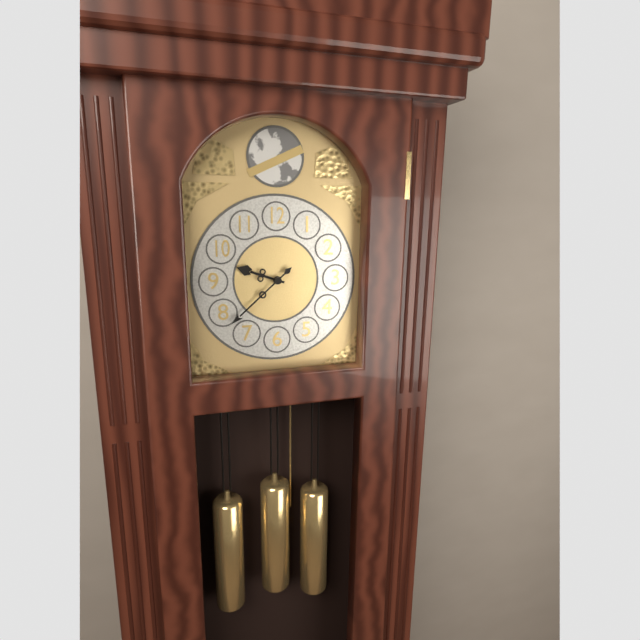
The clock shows 9:38
